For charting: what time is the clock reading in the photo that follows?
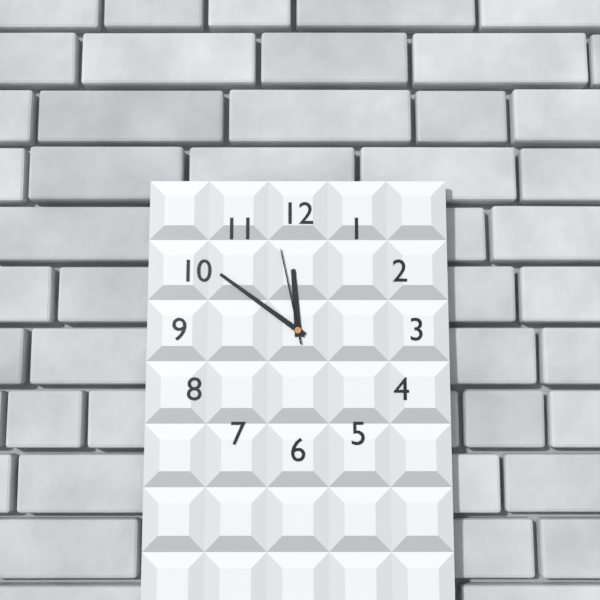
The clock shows 11:51:58
